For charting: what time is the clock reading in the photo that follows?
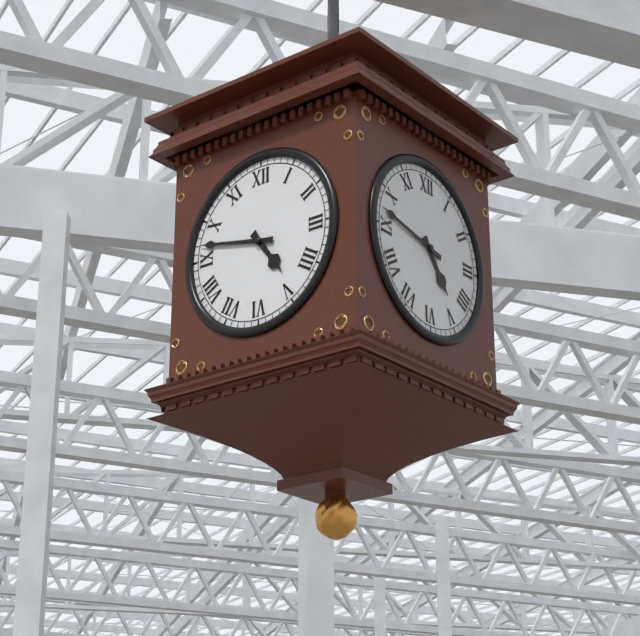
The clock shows 4:47
